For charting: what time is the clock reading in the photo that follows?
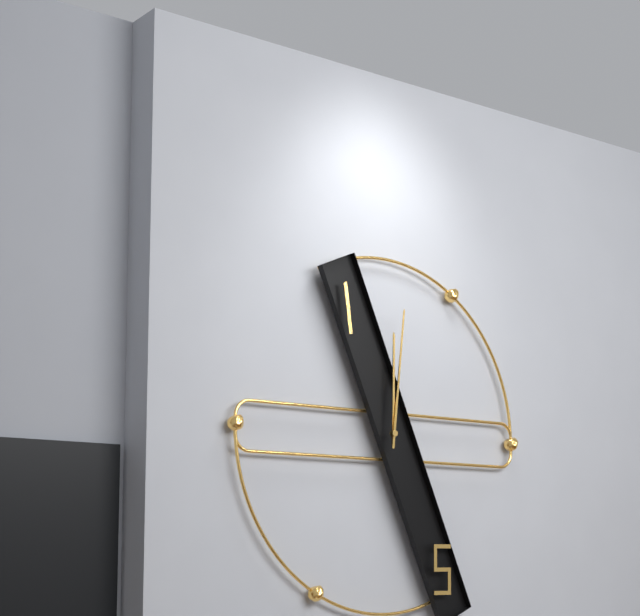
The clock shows 12:01
